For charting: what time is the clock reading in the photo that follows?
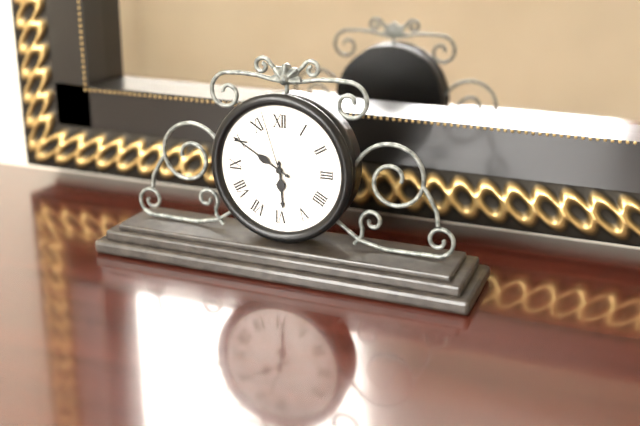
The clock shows 5:50:57
